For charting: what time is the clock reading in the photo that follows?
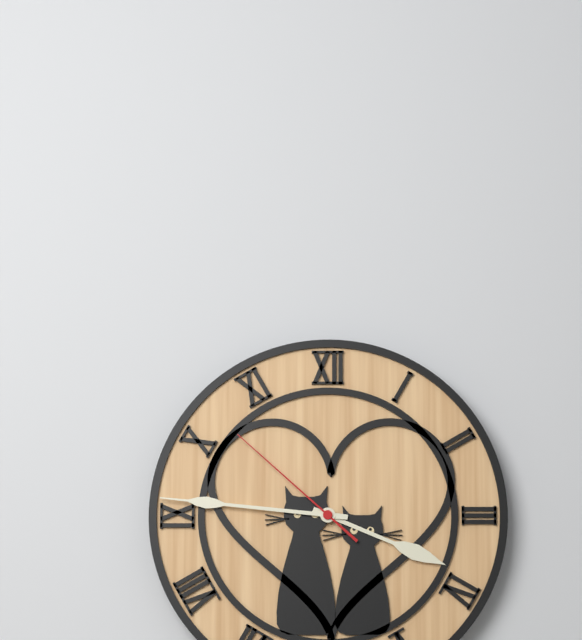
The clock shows 3:46:52
